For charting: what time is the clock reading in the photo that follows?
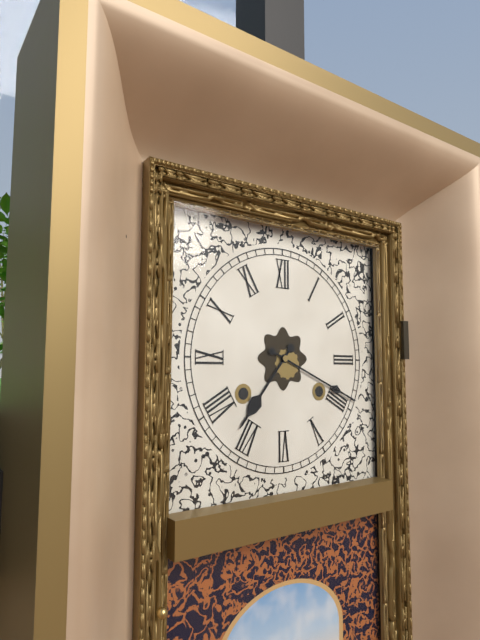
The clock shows 7:19
